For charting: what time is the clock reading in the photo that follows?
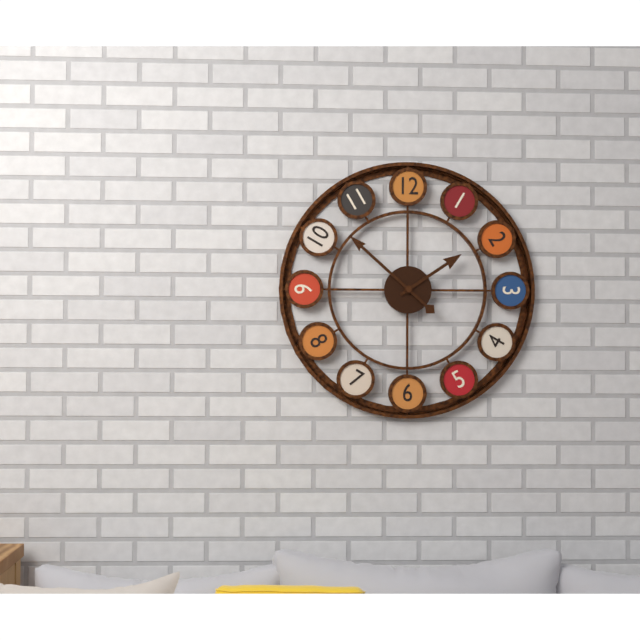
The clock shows 1:52
